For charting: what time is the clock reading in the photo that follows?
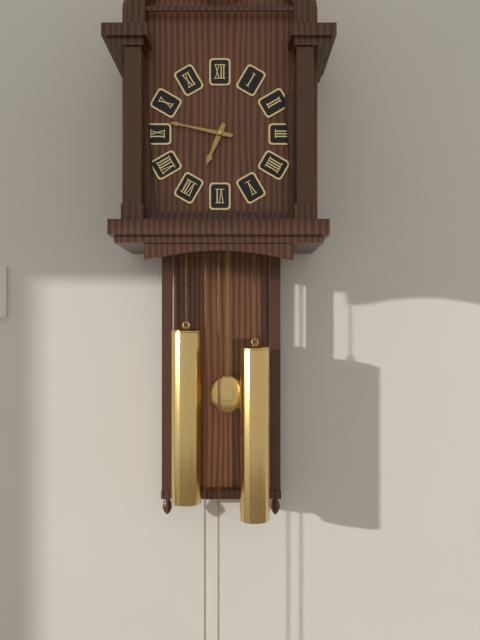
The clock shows 6:47
